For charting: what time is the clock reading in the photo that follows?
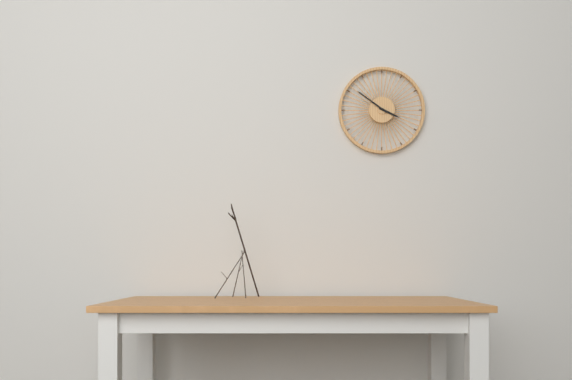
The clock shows 3:51
